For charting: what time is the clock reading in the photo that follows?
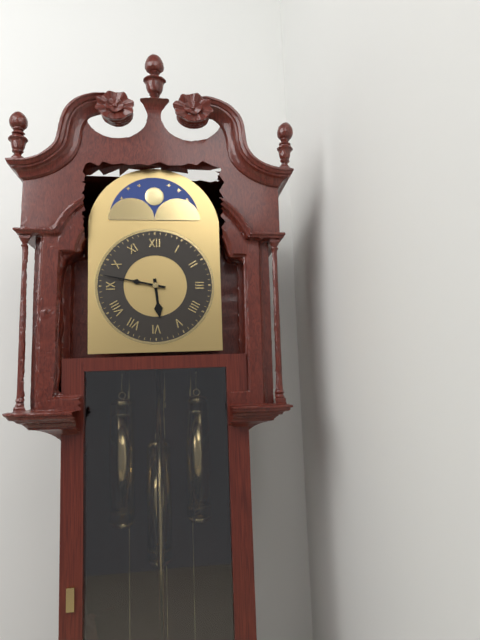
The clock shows 5:47
